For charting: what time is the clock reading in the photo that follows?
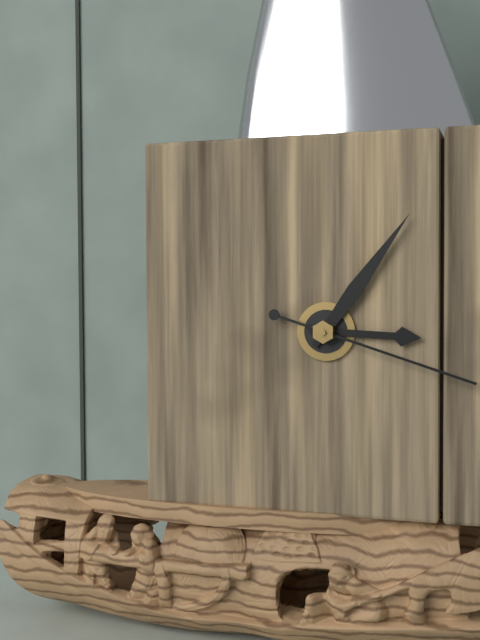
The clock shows 3:06:18
